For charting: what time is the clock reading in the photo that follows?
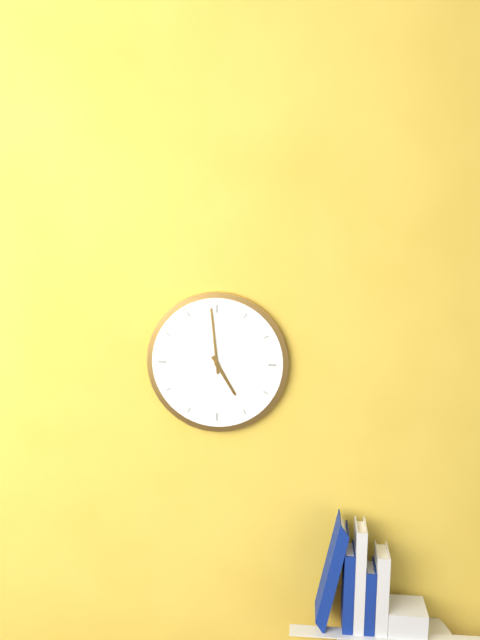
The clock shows 4:59
